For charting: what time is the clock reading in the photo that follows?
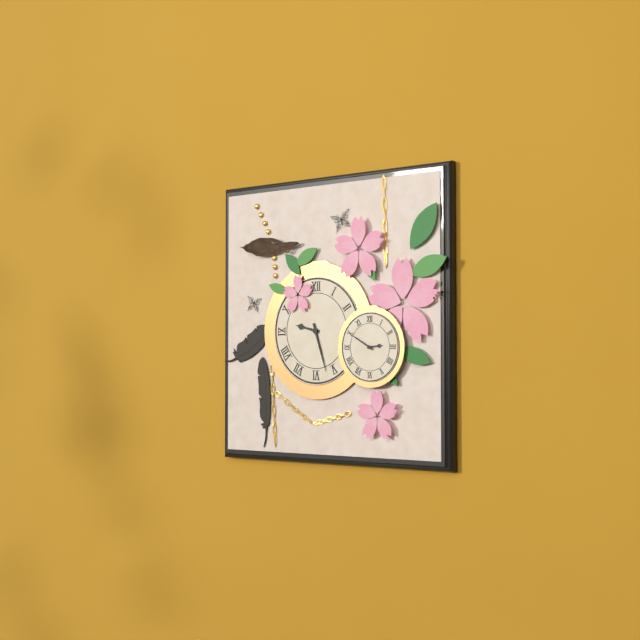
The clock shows 9:27
